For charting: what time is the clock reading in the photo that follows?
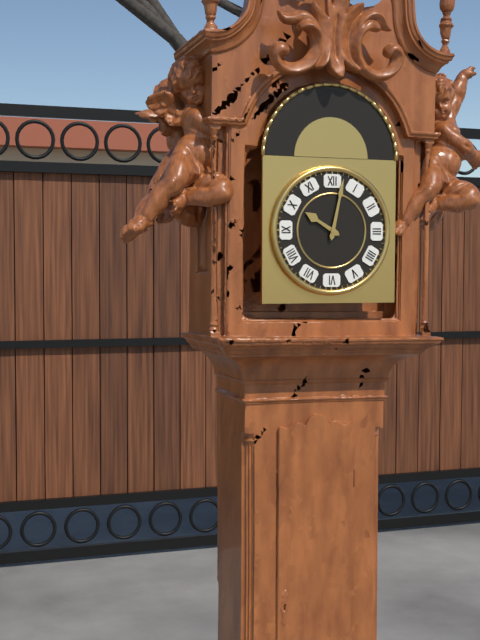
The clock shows 10:02
